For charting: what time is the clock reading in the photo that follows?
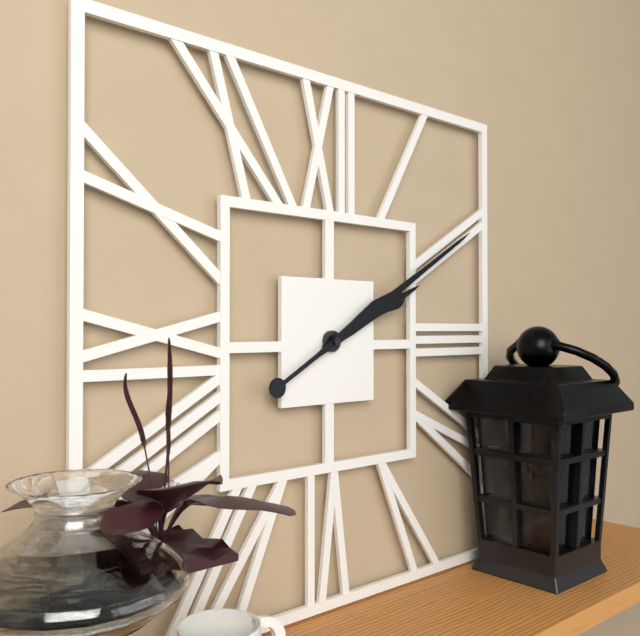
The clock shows 2:10
